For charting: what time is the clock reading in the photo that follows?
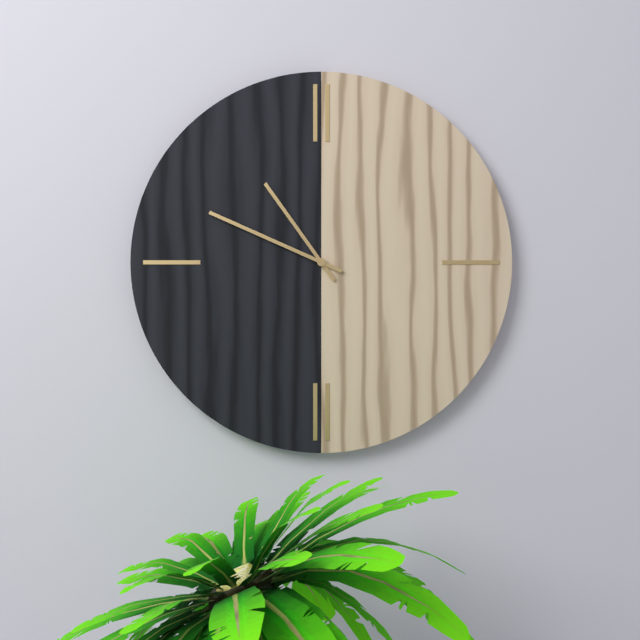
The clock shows 10:49
